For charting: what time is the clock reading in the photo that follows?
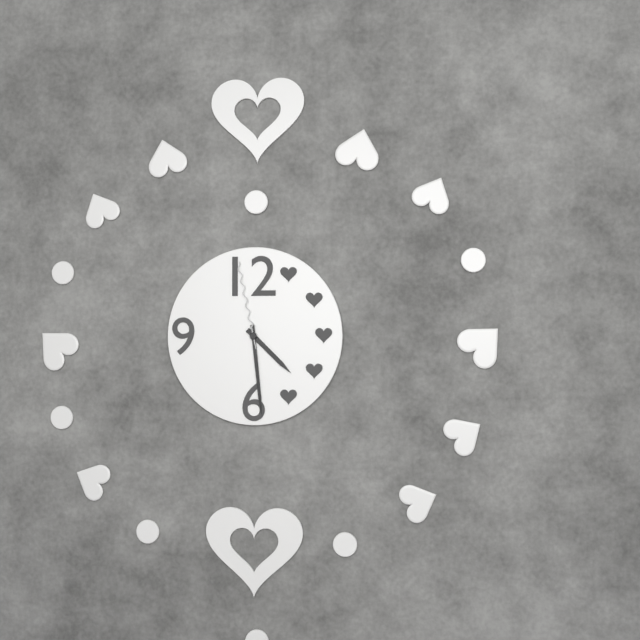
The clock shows 4:29:58
